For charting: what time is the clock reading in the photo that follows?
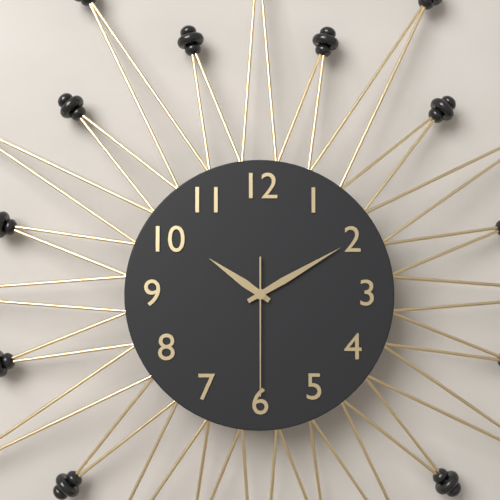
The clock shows 10:10:30
